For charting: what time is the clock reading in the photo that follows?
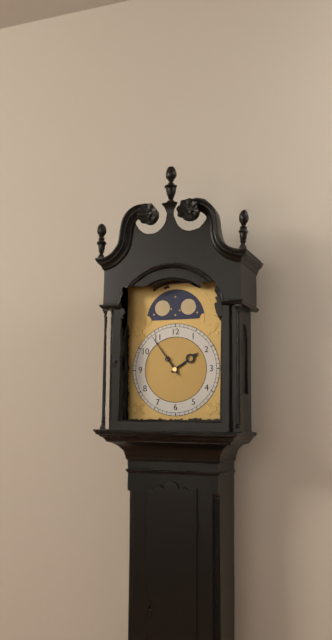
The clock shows 1:54
